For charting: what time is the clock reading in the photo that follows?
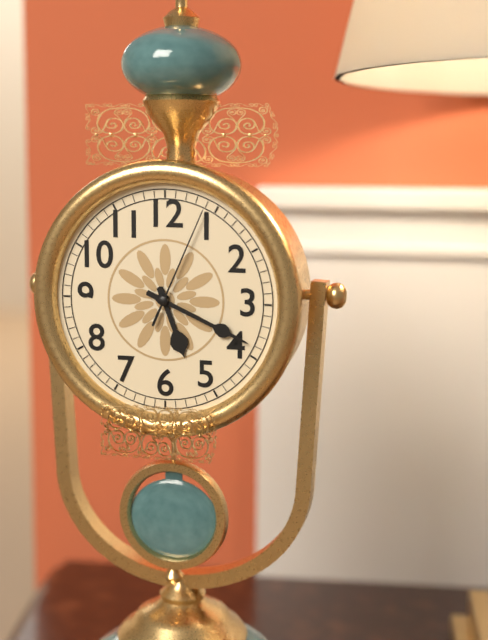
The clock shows 5:19:04
